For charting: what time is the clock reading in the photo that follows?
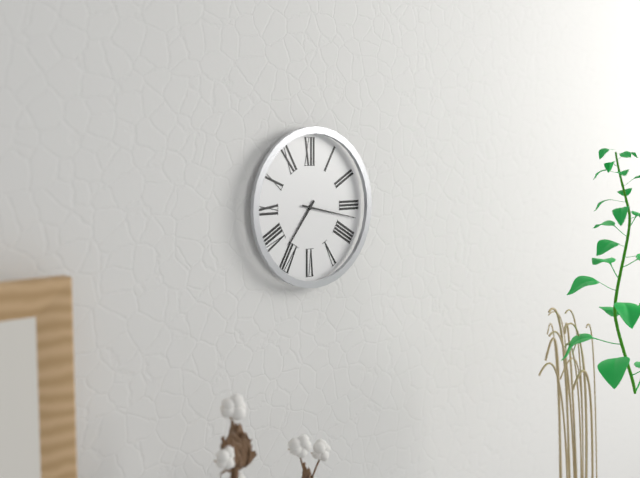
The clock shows 7:17
